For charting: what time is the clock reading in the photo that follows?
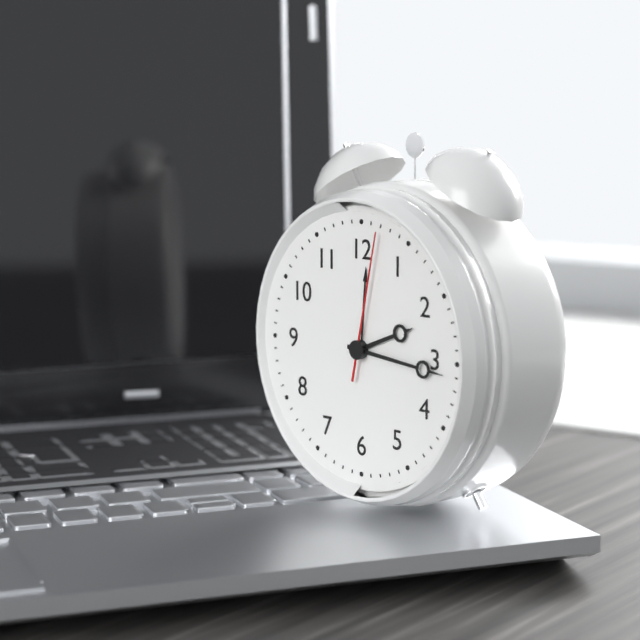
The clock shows 2:16:02
